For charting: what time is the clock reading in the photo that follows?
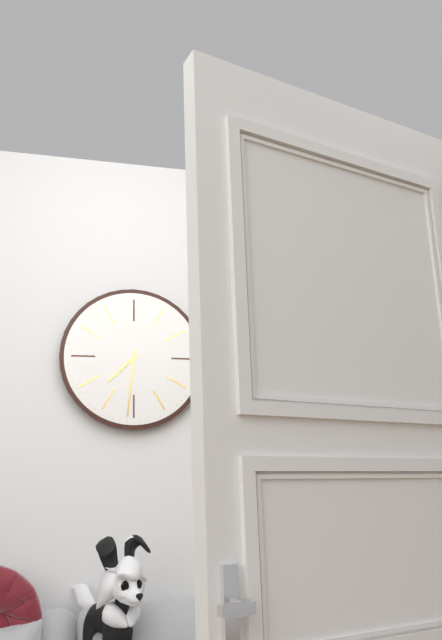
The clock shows 7:31
